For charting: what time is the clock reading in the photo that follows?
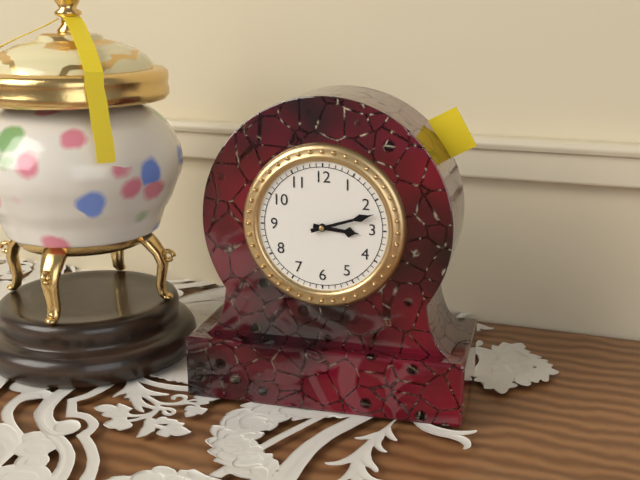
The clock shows 3:12
